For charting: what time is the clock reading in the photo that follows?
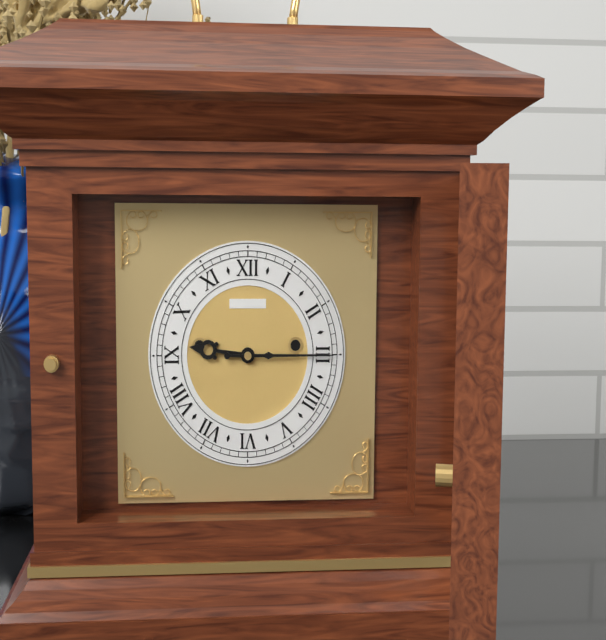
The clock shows 9:15
